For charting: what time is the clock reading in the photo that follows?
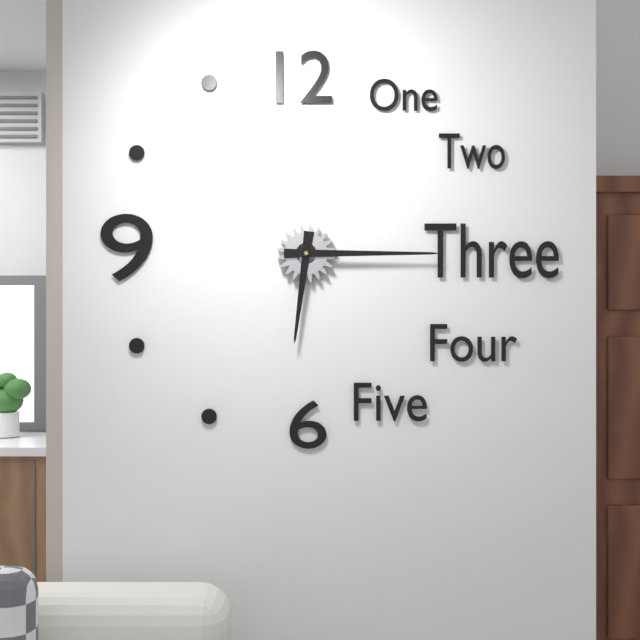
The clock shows 6:15
